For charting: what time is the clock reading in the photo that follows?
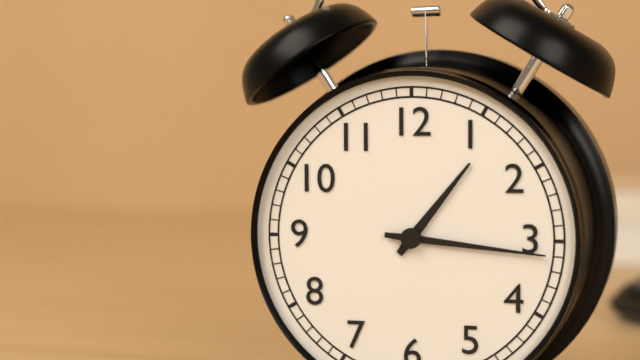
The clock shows 1:16
